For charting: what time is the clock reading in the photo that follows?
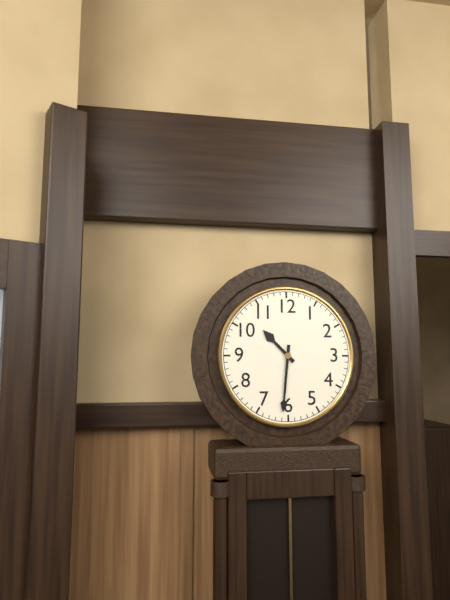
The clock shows 10:31
